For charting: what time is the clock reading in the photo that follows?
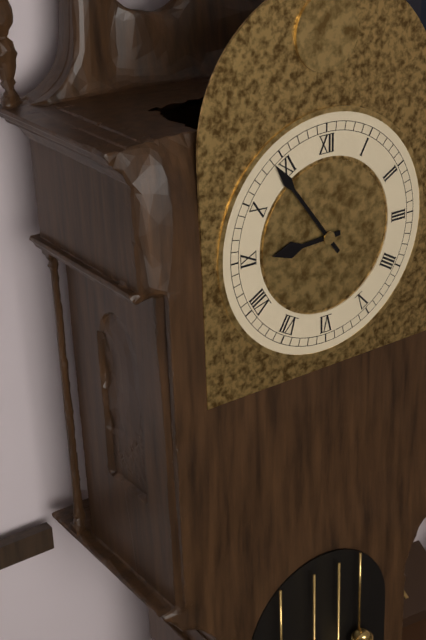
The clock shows 8:54
